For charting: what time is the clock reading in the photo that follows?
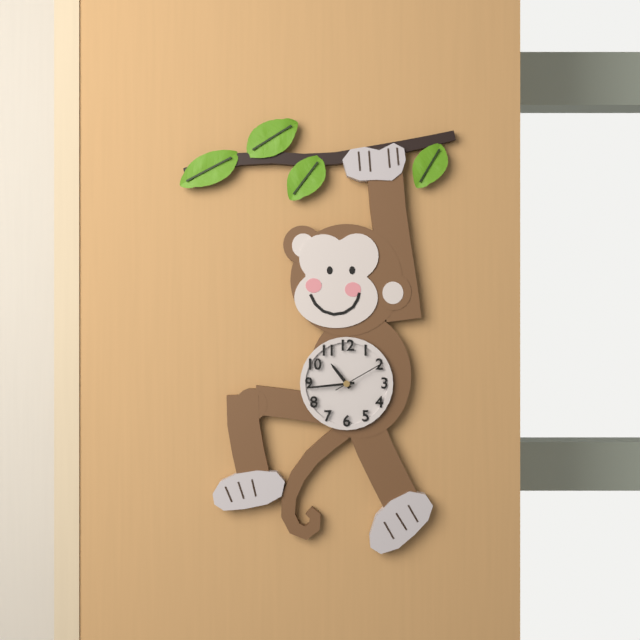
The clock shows 10:44:10
